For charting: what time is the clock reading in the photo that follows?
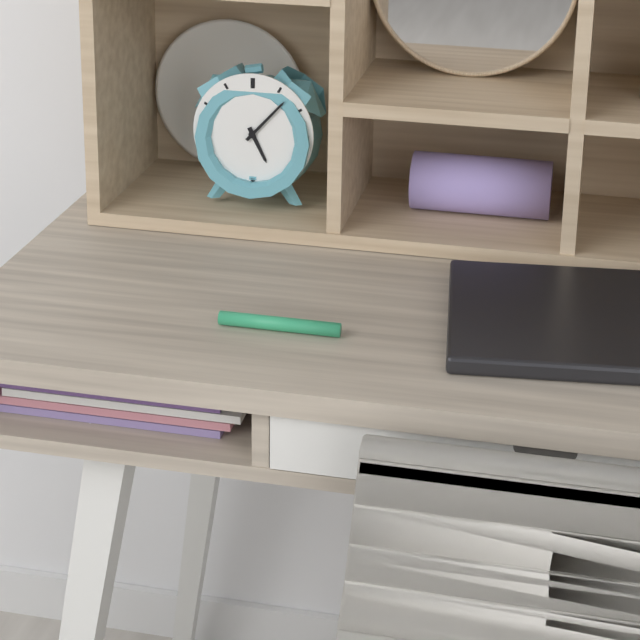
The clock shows 5:07
